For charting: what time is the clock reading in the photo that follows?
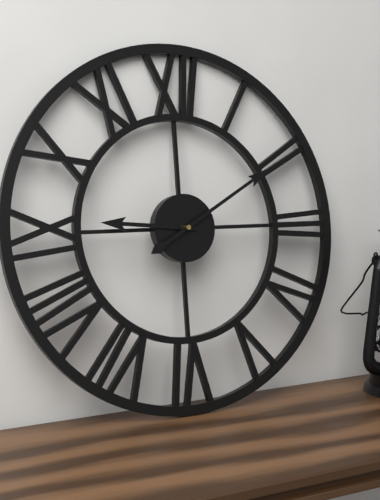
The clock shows 9:10
